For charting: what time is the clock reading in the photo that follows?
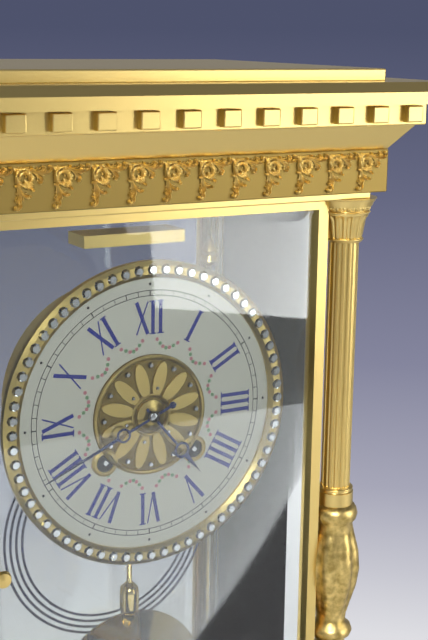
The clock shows 4:41
